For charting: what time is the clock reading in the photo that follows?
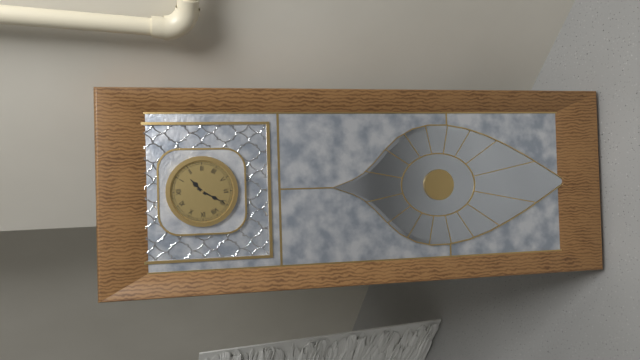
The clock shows 1:35
